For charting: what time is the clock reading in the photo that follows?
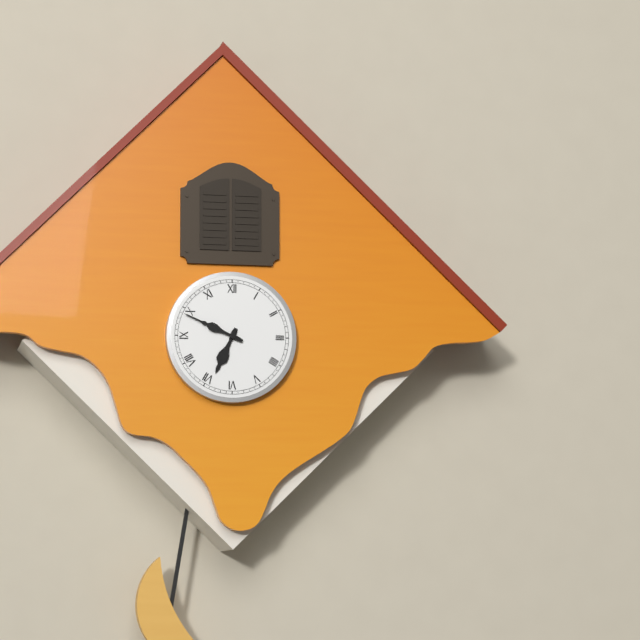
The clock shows 6:49
